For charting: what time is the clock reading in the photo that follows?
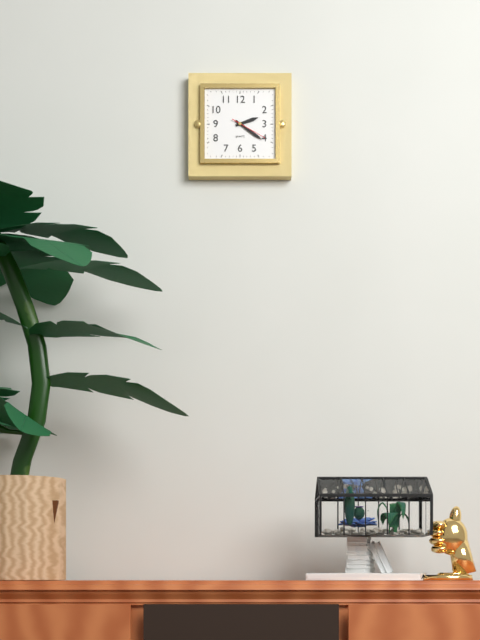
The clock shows 2:21
